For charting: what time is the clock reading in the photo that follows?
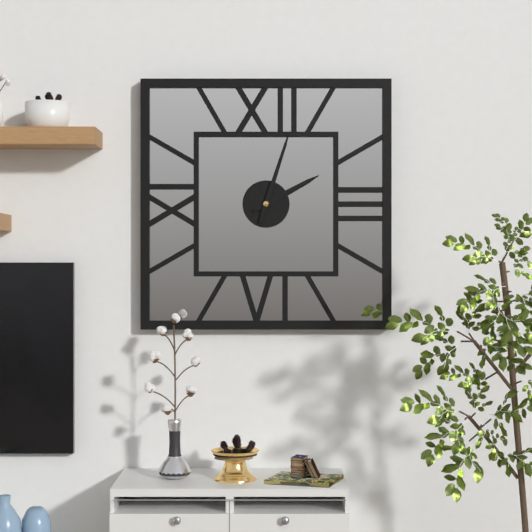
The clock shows 2:03
